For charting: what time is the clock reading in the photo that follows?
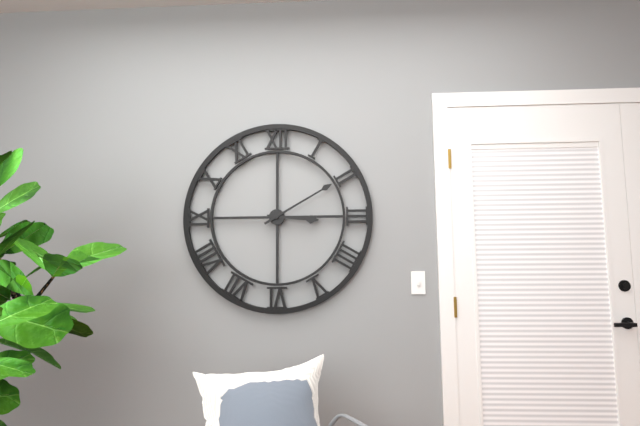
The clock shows 3:10
